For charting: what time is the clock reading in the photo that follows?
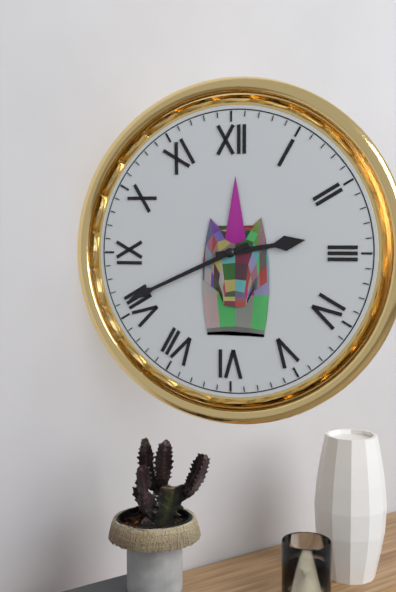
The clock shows 2:41
